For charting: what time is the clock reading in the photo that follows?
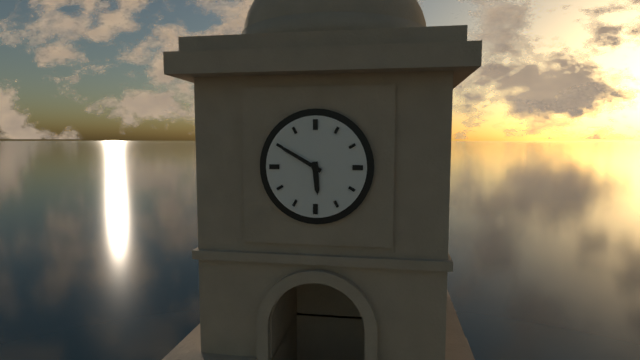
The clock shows 5:50
